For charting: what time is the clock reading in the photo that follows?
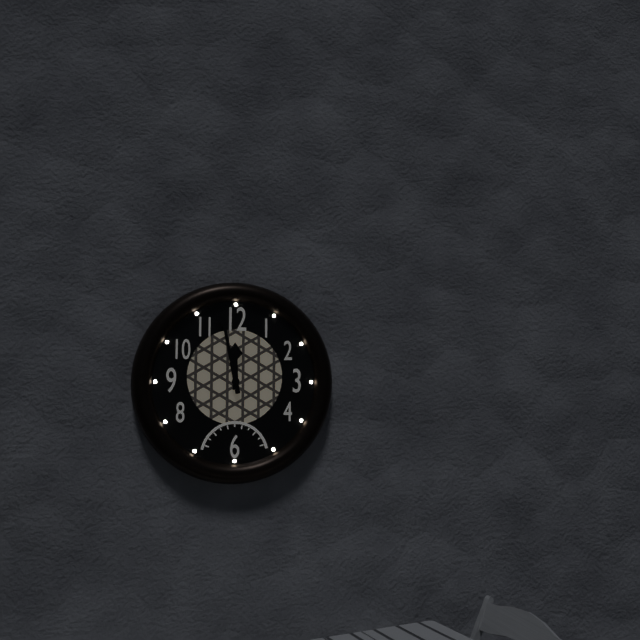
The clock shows 11:58
